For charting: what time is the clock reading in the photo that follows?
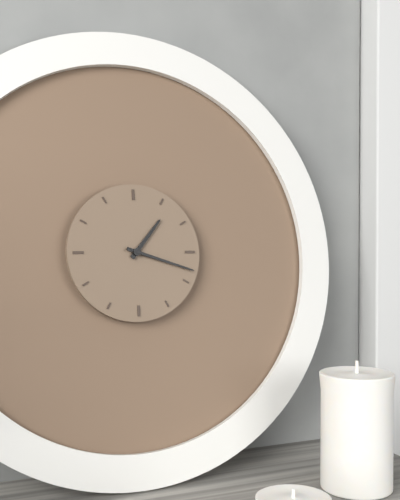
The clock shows 1:18
